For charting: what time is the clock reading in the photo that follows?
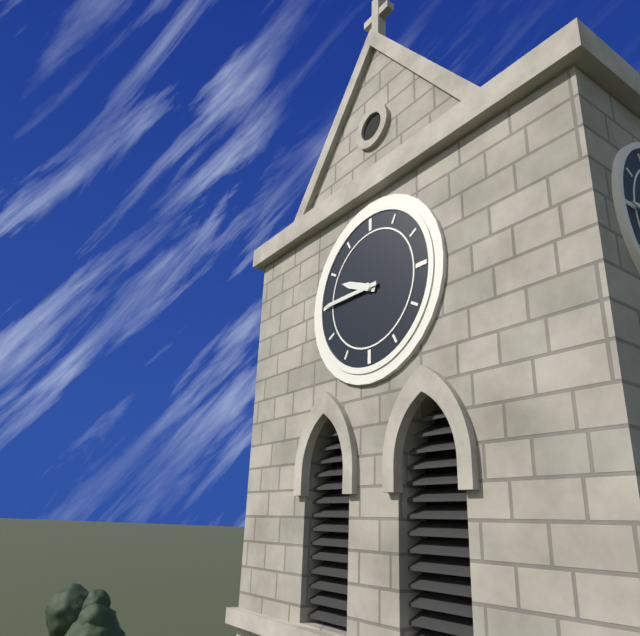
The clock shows 9:45
